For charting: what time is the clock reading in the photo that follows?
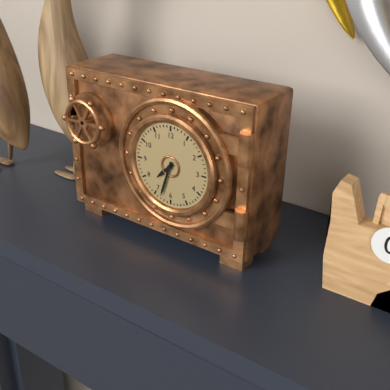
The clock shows 7:33
